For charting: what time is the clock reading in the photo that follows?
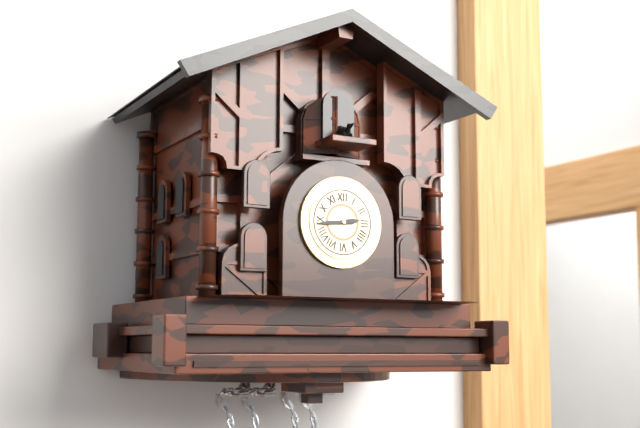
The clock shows 2:44
